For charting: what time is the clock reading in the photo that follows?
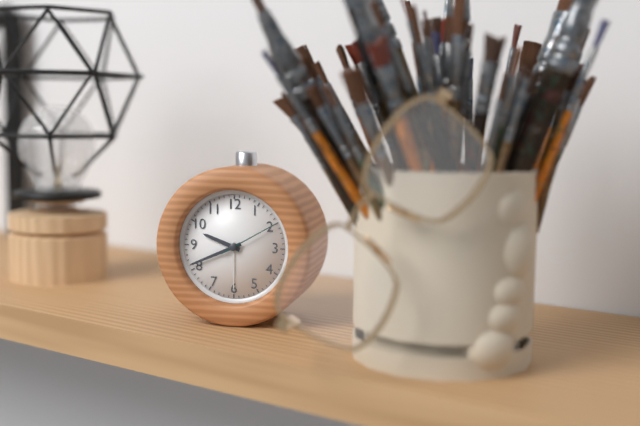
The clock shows 9:41:10
